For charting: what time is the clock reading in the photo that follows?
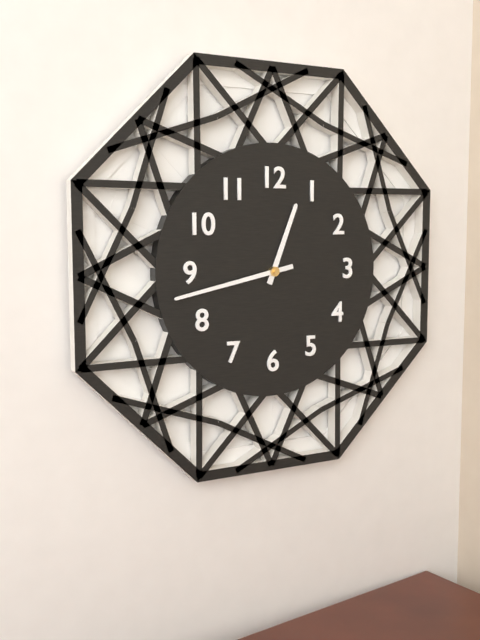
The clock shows 12:43
